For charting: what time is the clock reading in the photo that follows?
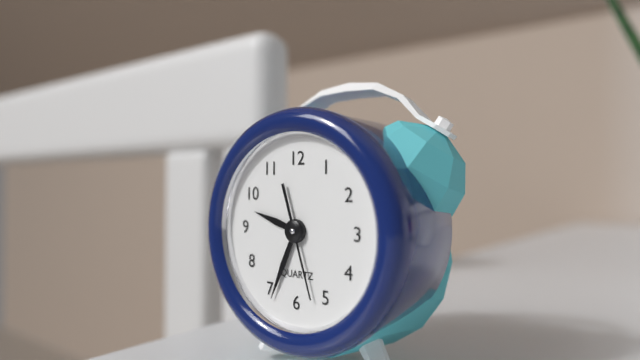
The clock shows 9:34:27
